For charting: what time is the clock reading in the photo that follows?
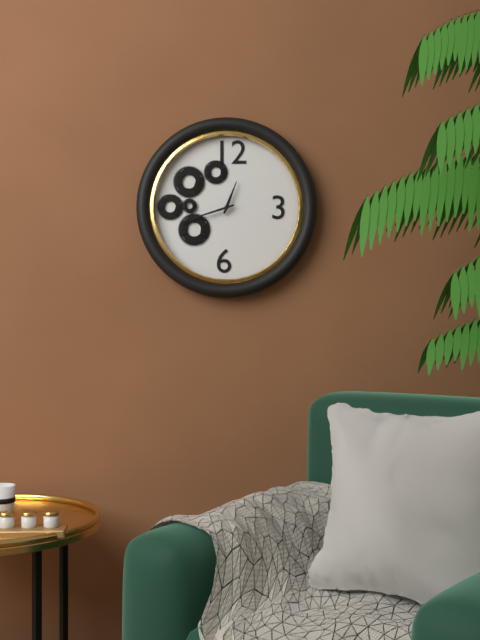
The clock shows 12:42
